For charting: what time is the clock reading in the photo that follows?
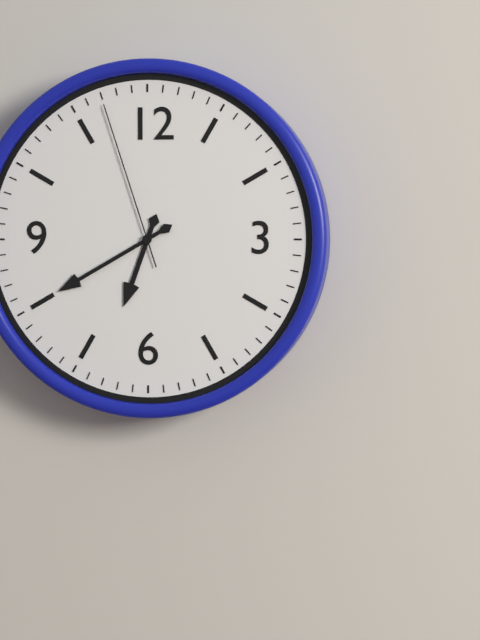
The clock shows 6:40:57
